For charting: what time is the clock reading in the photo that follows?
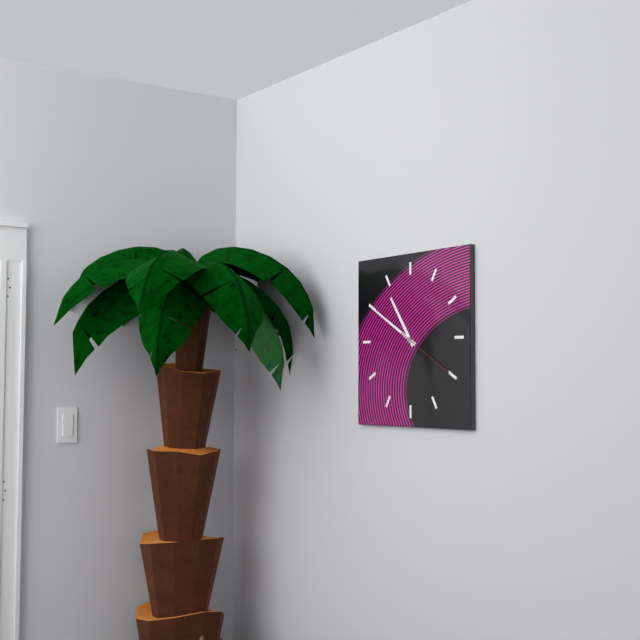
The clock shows 10:50:20
